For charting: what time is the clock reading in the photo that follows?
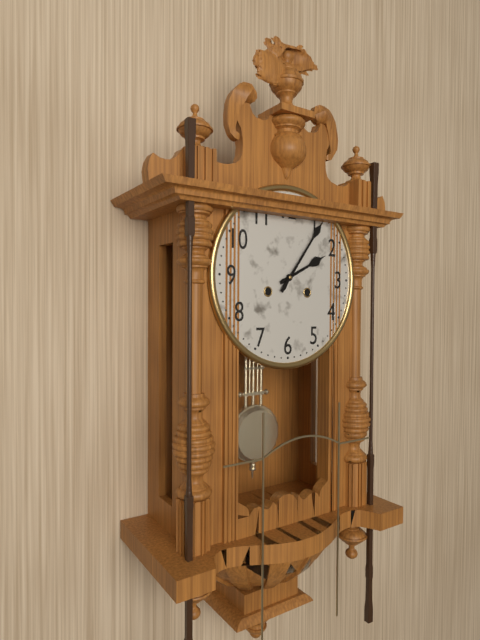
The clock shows 2:06
